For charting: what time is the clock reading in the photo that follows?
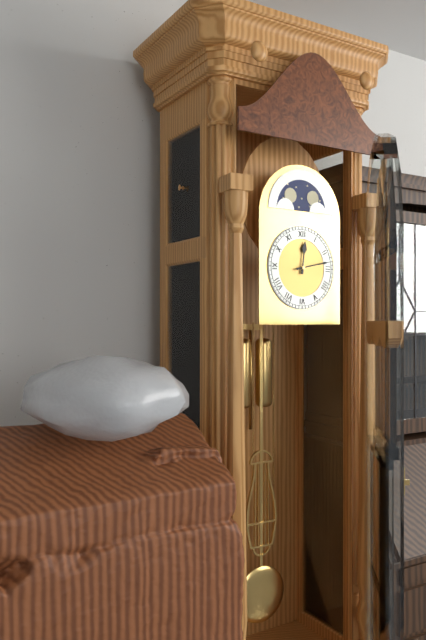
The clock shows 12:13
